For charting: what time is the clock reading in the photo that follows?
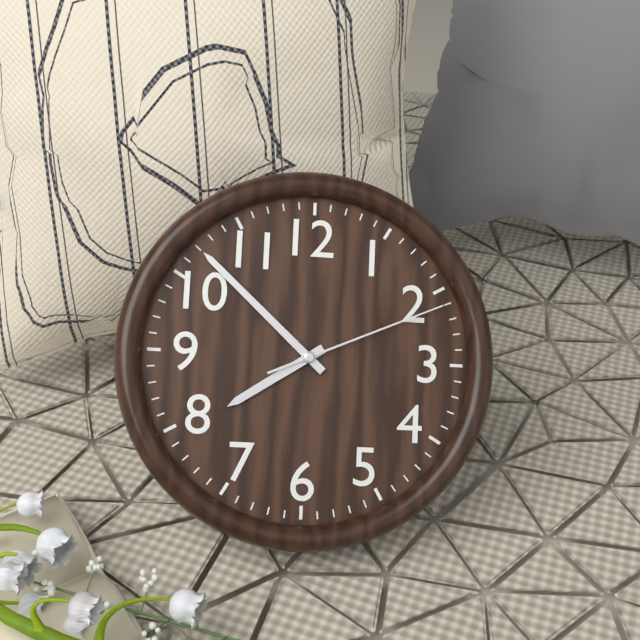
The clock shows 7:52:11
